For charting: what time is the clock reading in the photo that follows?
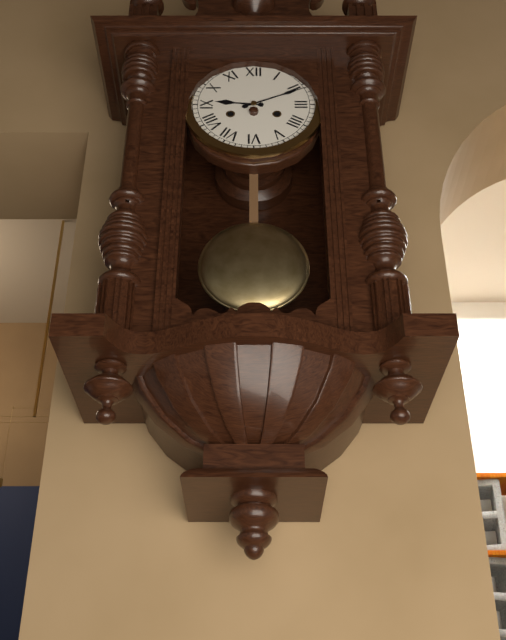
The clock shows 9:11
